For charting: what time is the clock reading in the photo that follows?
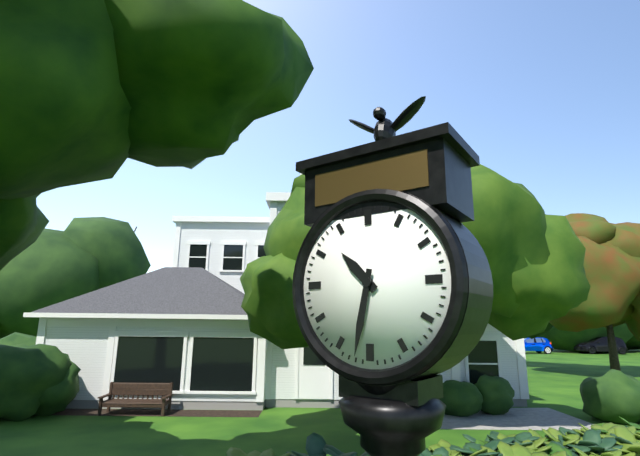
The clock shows 10:32
